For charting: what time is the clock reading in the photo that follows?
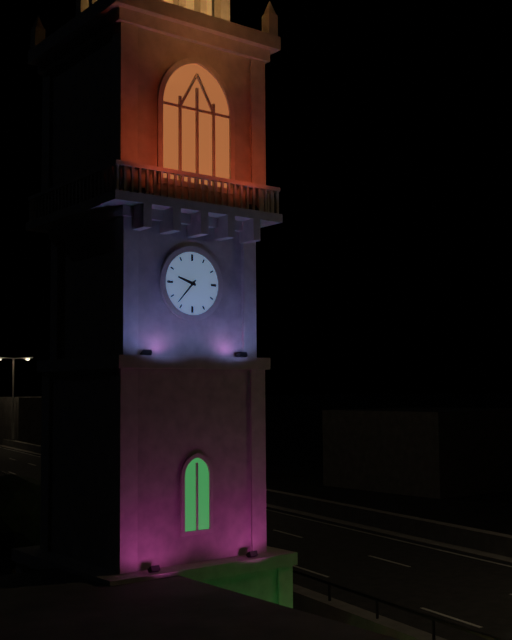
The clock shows 9:37
